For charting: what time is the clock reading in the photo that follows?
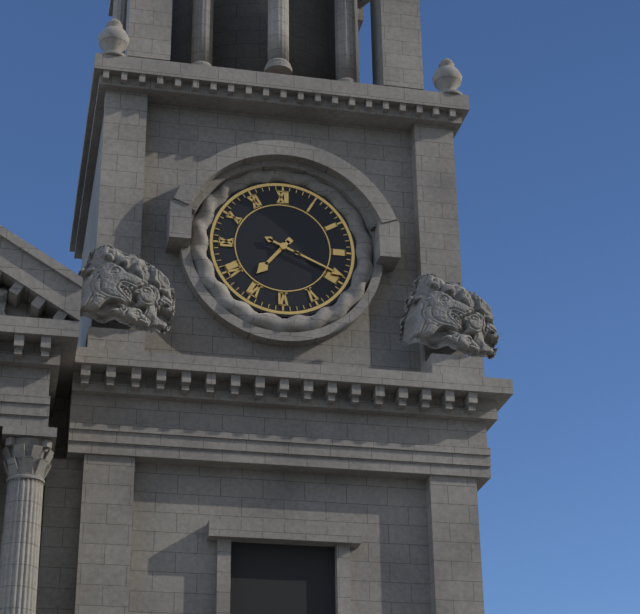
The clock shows 7:19
